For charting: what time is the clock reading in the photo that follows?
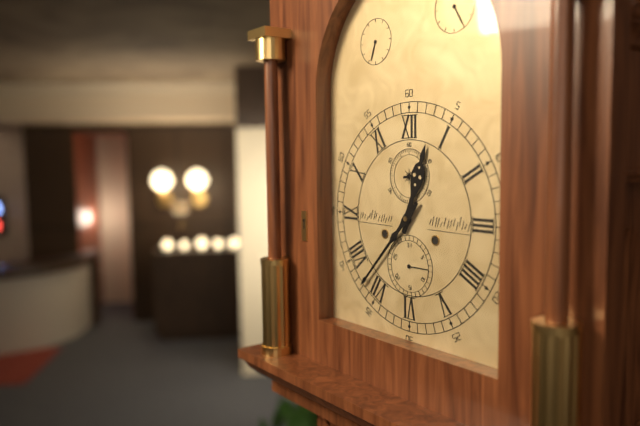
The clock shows 12:37
